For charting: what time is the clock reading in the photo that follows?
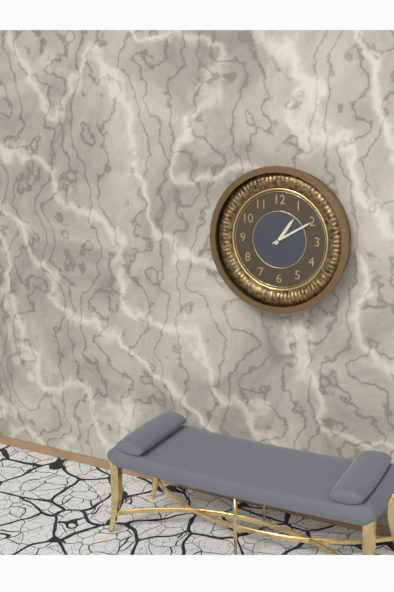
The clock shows 1:10
